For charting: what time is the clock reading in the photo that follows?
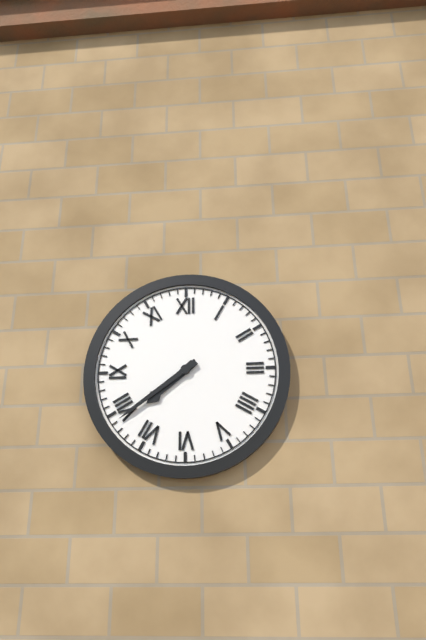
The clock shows 7:39
